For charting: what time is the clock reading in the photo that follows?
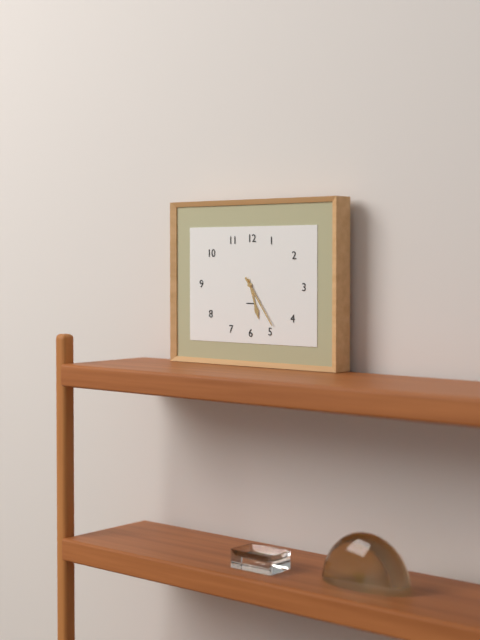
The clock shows 5:24
